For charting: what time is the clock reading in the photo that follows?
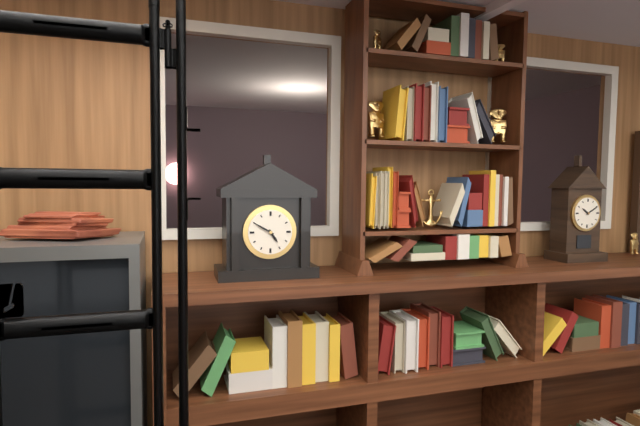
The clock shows 4:50
